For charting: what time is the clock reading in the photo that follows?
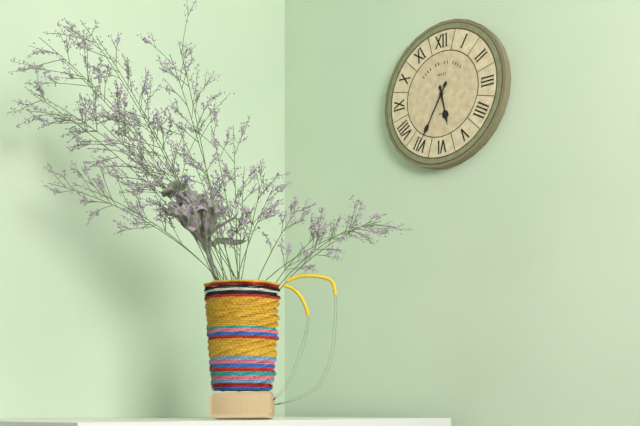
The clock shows 5:35
